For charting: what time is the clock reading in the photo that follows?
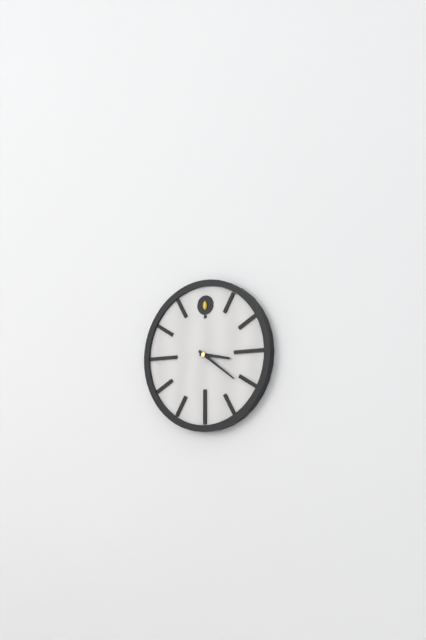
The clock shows 3:21
